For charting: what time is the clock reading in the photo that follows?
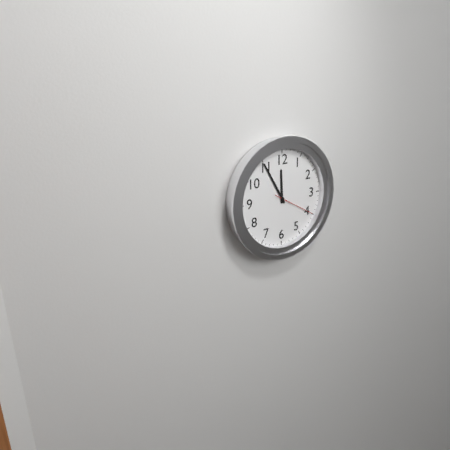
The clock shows 11:55
